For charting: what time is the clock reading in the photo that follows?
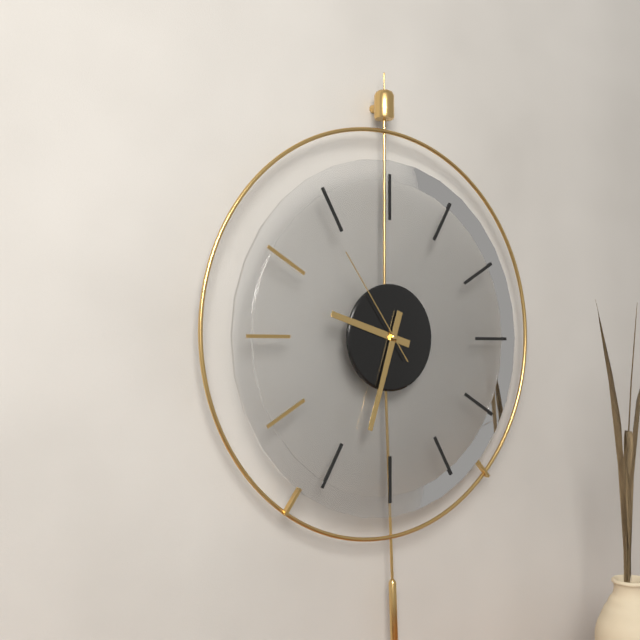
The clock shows 9:33:54
